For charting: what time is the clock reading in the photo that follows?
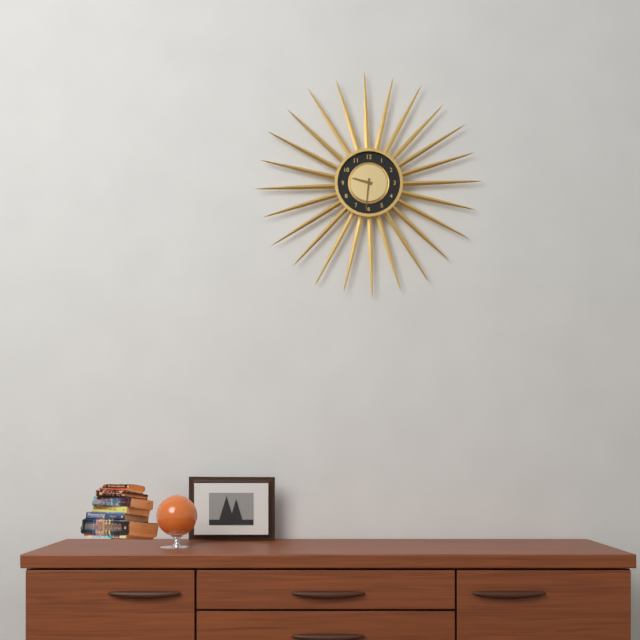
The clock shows 9:31
